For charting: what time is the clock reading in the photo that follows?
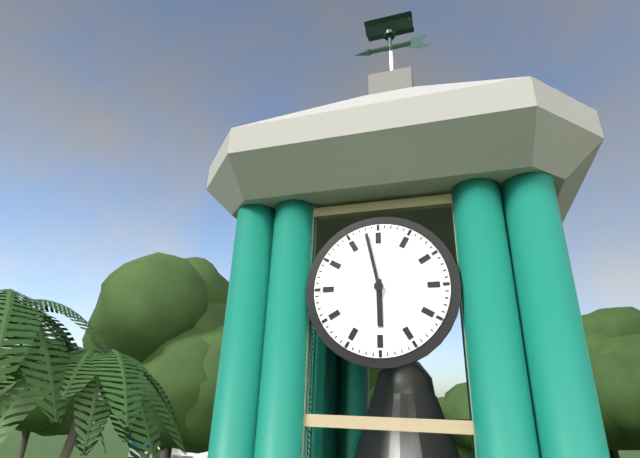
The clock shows 5:58
